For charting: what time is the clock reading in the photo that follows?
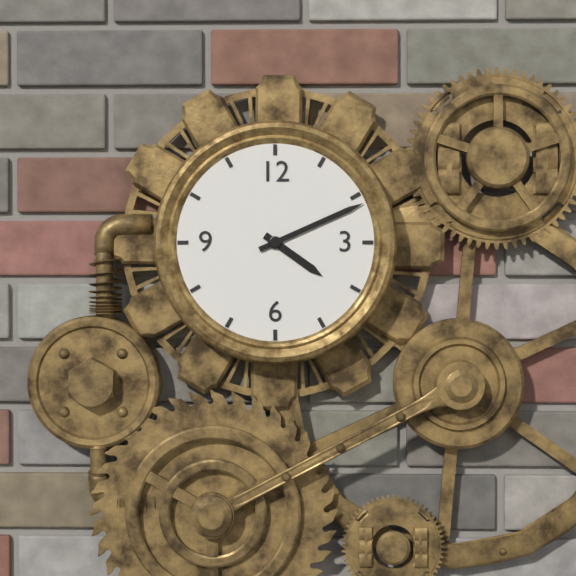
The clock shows 4:11
